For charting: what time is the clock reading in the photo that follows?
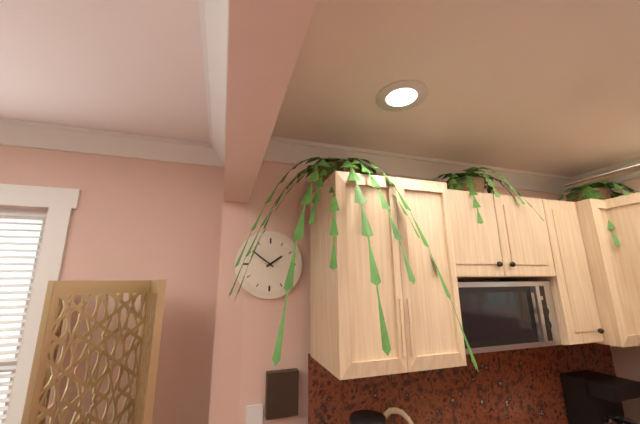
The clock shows 1:51
